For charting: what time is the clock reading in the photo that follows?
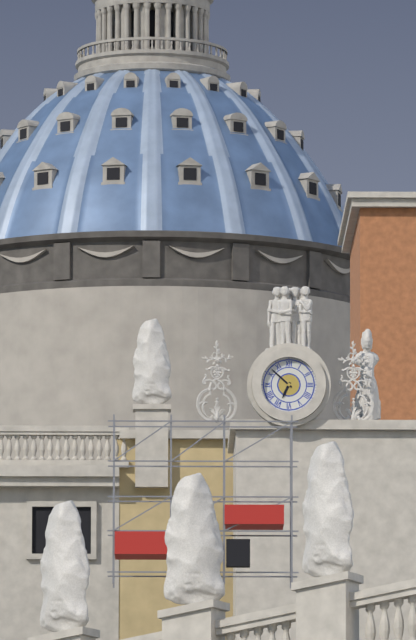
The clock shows 6:52
